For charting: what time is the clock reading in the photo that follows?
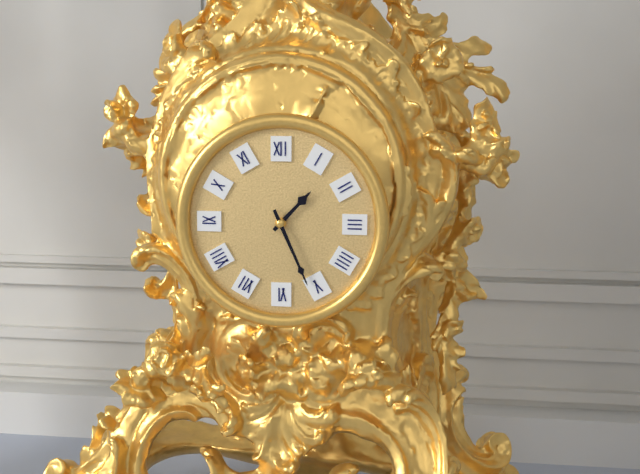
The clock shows 1:26
